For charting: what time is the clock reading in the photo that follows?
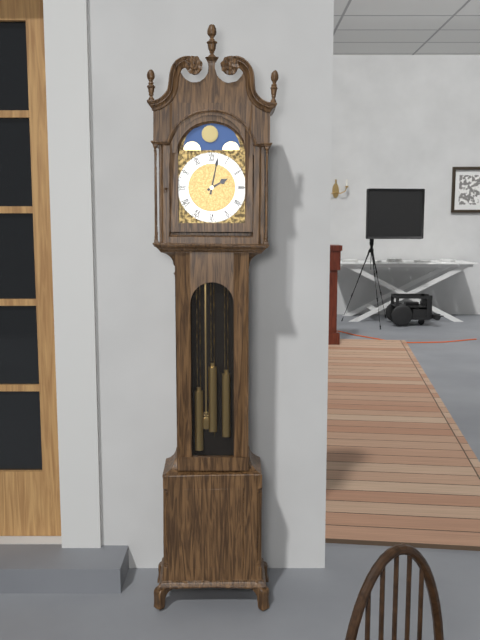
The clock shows 2:02
